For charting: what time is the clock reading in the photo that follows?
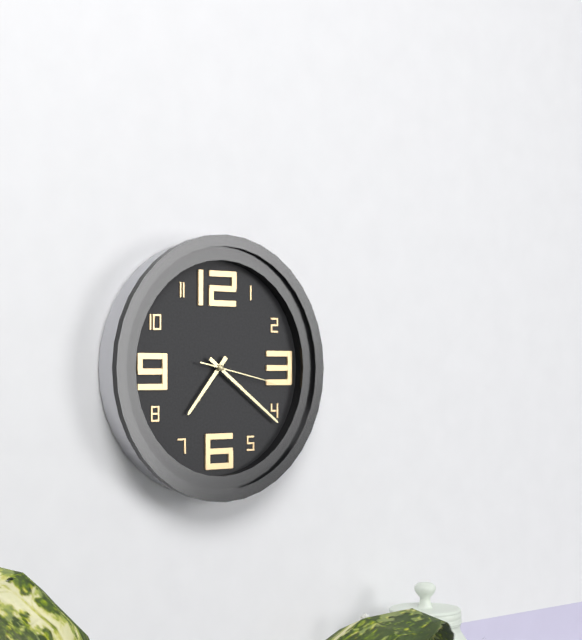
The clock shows 7:21:17
